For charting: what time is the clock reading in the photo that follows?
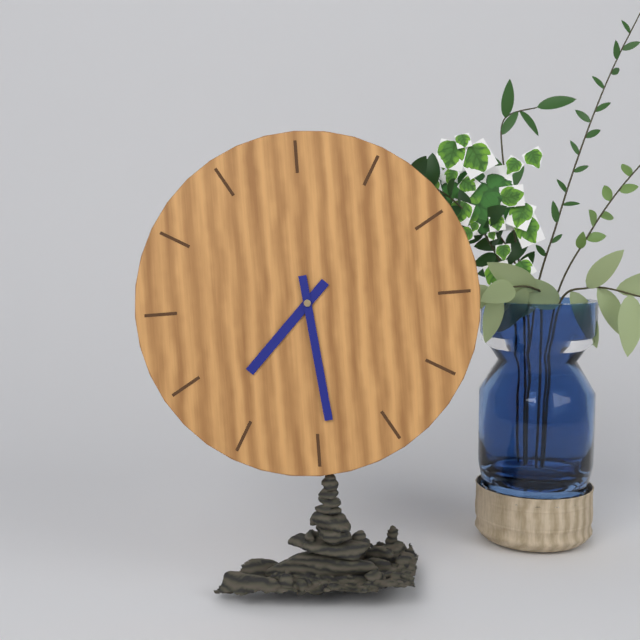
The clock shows 7:29
